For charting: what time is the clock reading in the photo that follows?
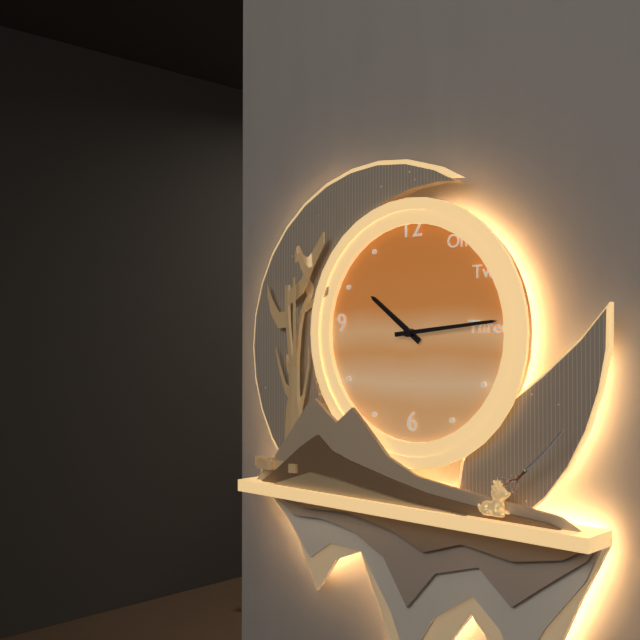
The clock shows 10:14
